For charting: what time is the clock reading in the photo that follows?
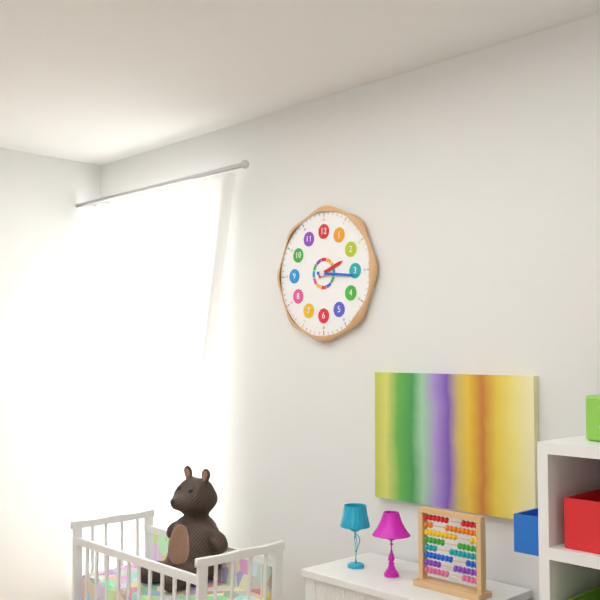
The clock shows 2:16
